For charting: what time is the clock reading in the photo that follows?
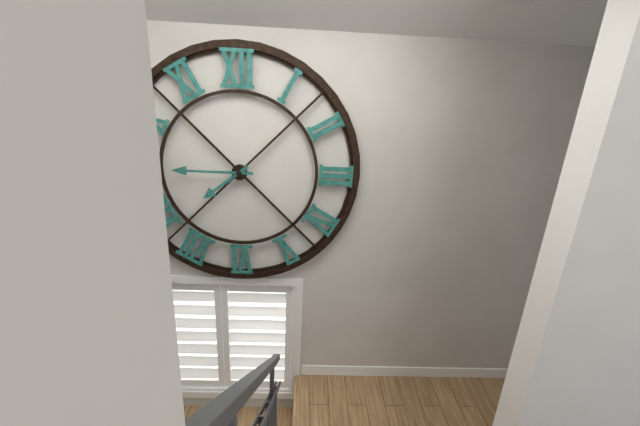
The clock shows 7:45
